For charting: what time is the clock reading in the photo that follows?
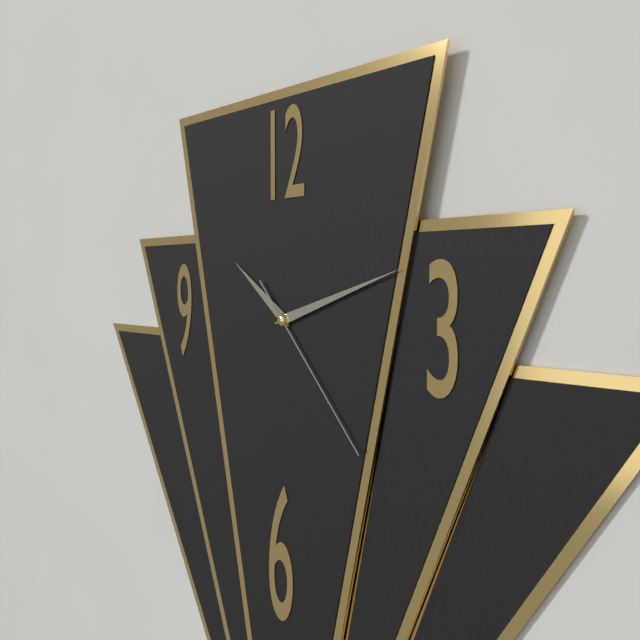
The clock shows 10:12:23
